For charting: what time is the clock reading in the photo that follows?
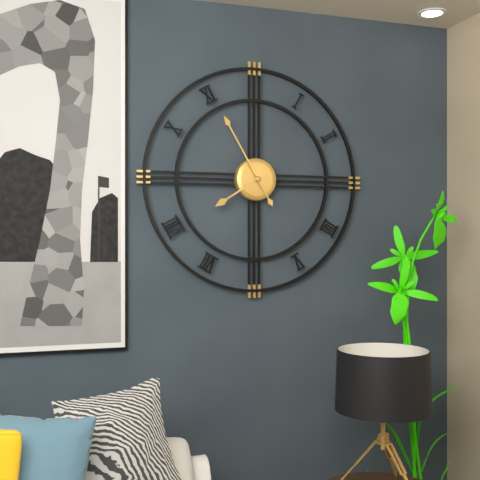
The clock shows 7:55
